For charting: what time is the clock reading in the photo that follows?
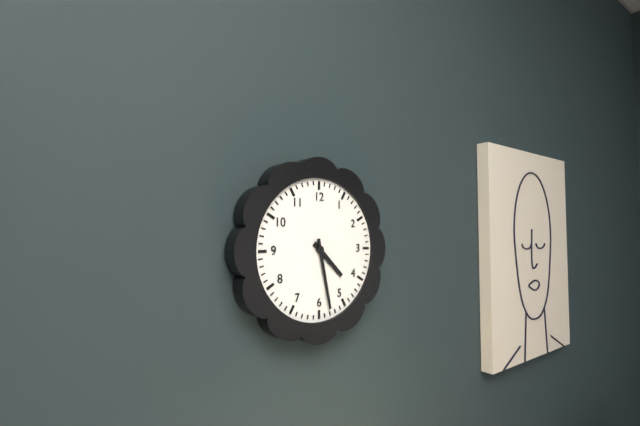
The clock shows 4:28
